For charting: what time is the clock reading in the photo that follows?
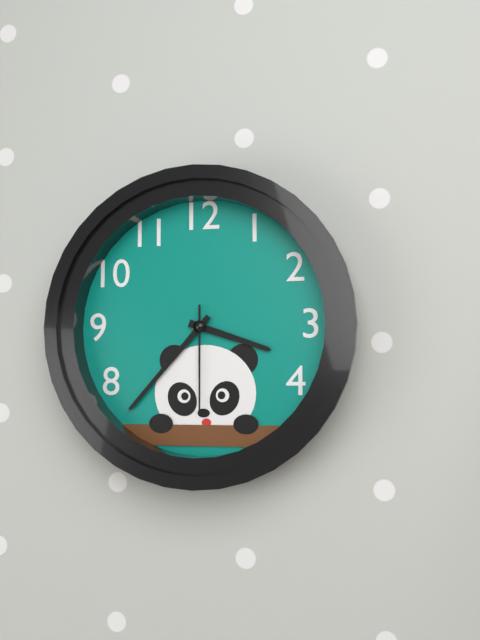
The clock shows 3:37:30
